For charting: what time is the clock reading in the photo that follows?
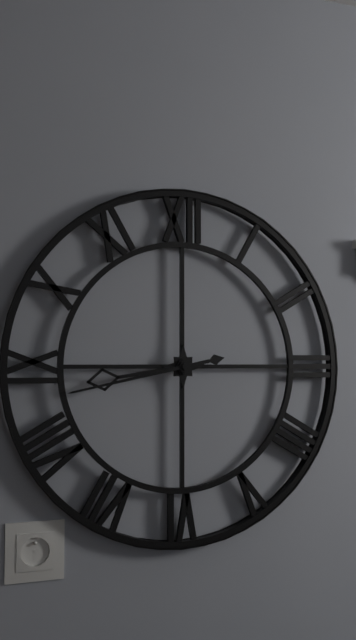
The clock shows 8:43
